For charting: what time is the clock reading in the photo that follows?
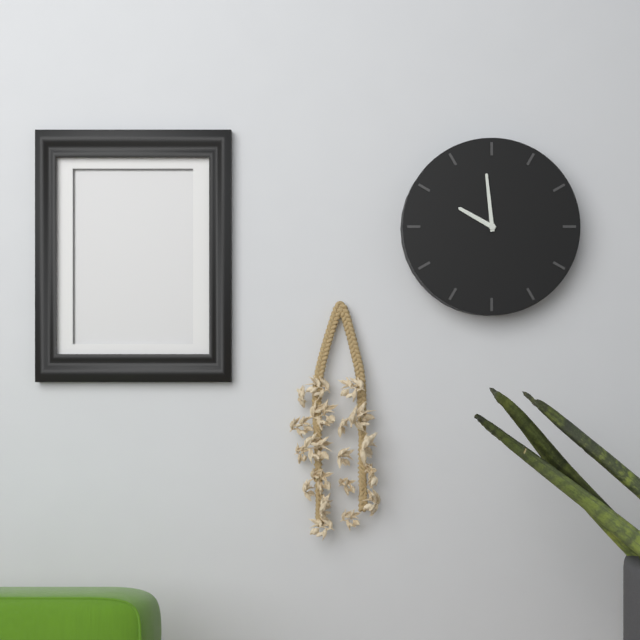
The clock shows 9:59
